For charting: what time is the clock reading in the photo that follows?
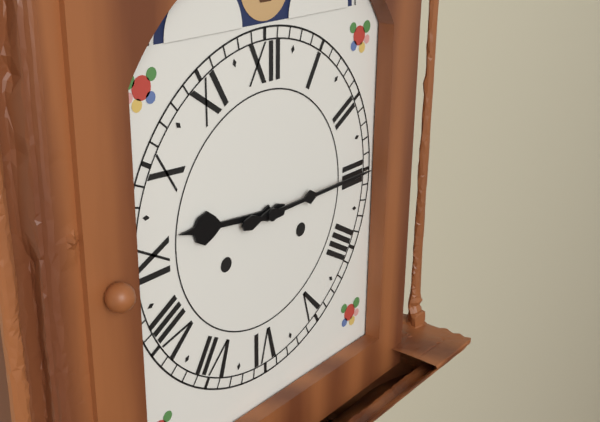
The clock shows 9:15
